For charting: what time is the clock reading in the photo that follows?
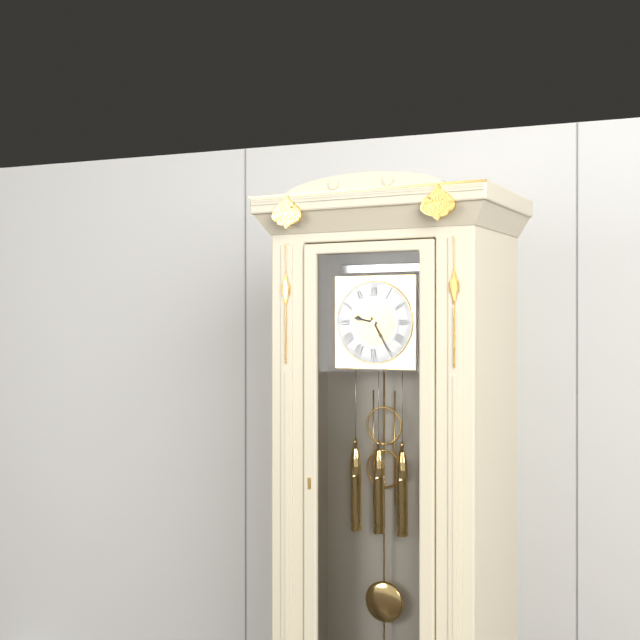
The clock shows 9:25
